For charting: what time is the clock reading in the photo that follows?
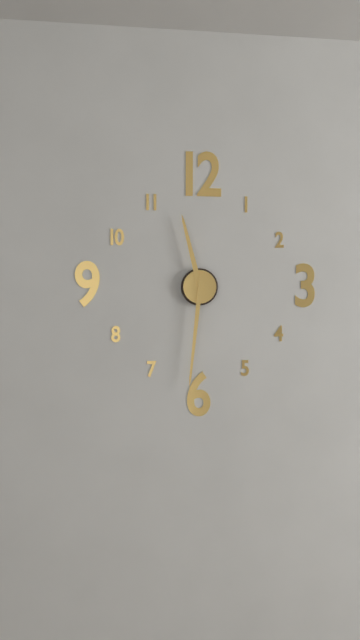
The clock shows 11:31
